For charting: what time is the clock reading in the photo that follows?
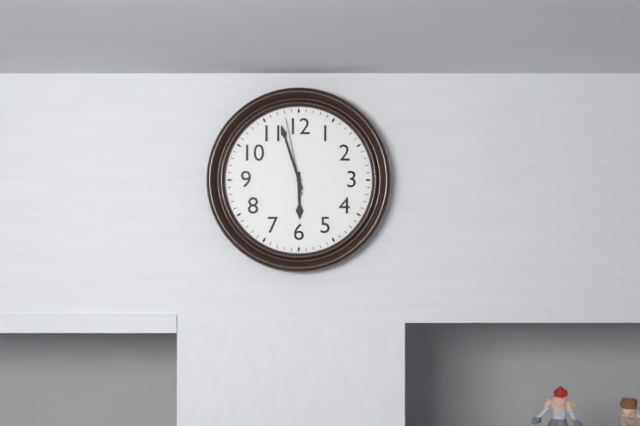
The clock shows 5:57:58
